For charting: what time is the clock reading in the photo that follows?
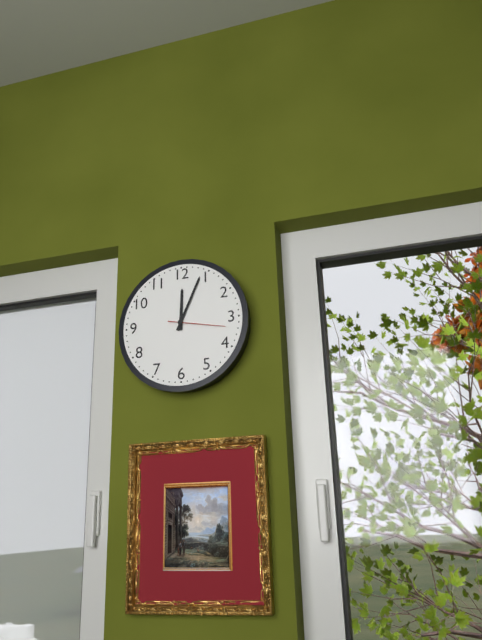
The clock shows 12:04:17
